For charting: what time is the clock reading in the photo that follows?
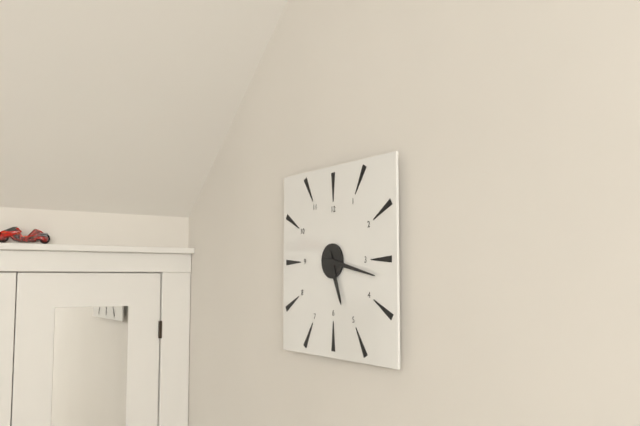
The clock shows 5:17
